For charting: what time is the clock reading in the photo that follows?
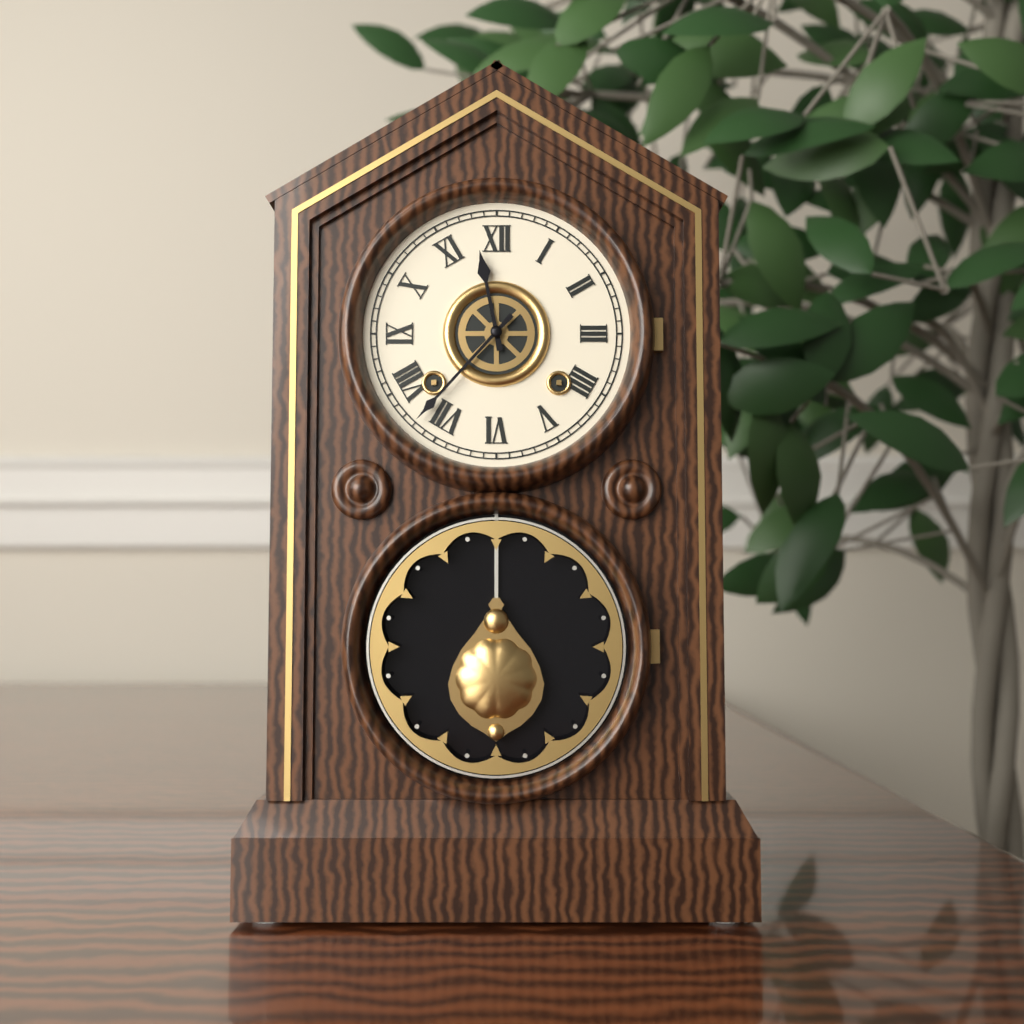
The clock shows 11:37
